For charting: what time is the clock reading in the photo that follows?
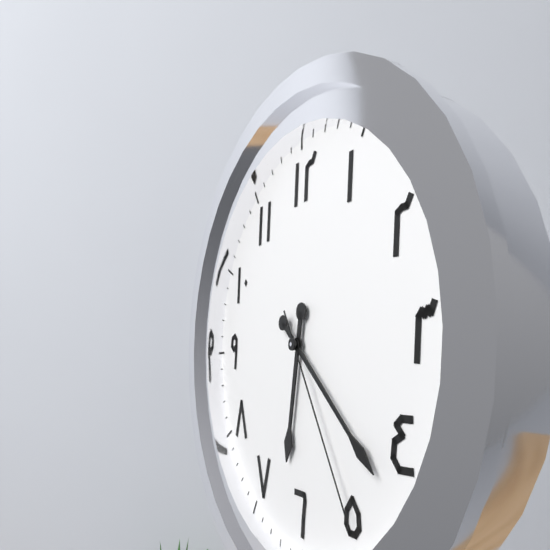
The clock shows 6:22:25
